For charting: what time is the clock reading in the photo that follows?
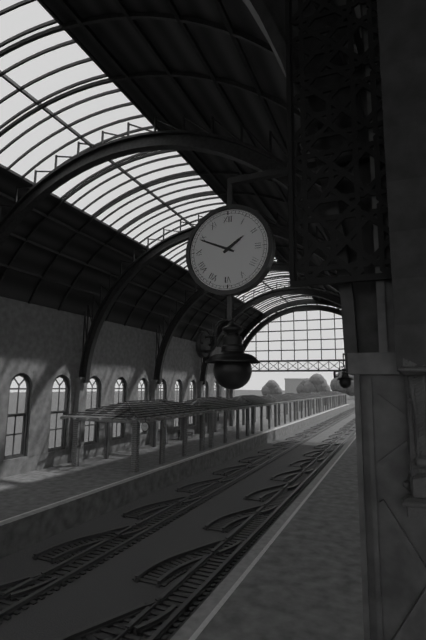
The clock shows 1:49
